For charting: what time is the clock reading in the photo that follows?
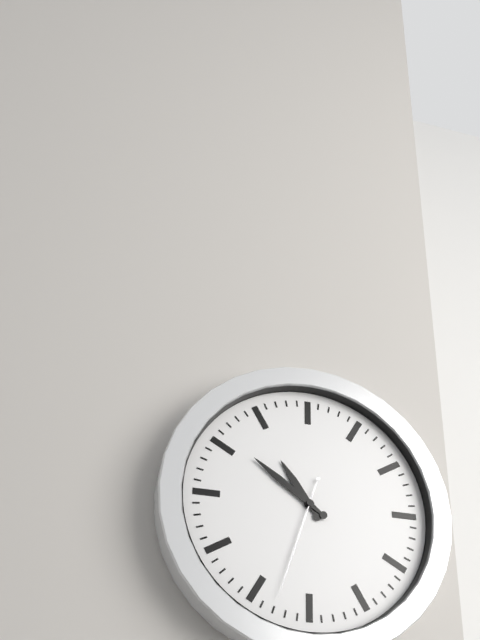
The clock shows 10:51:33
